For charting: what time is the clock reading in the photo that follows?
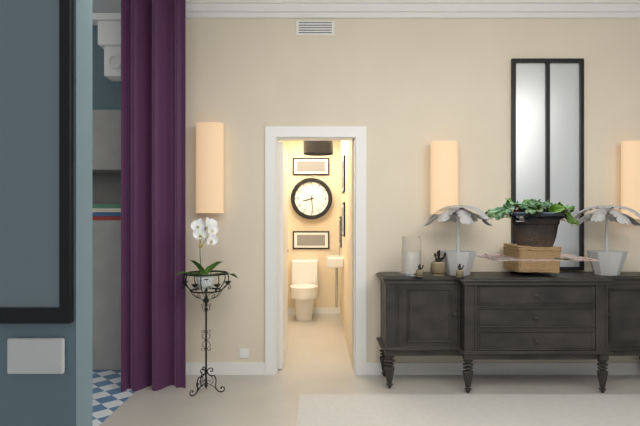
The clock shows 8:29
